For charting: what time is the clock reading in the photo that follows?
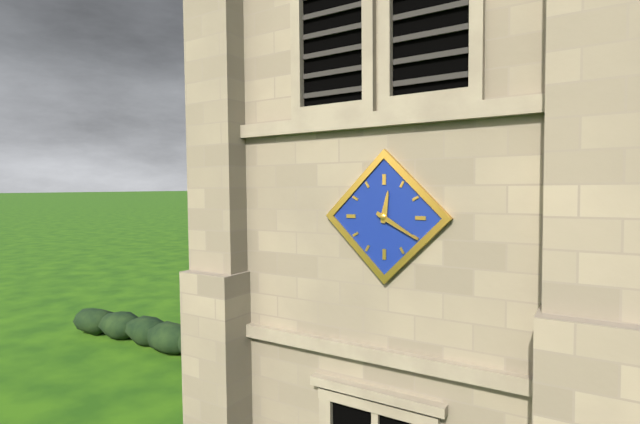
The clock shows 12:20
